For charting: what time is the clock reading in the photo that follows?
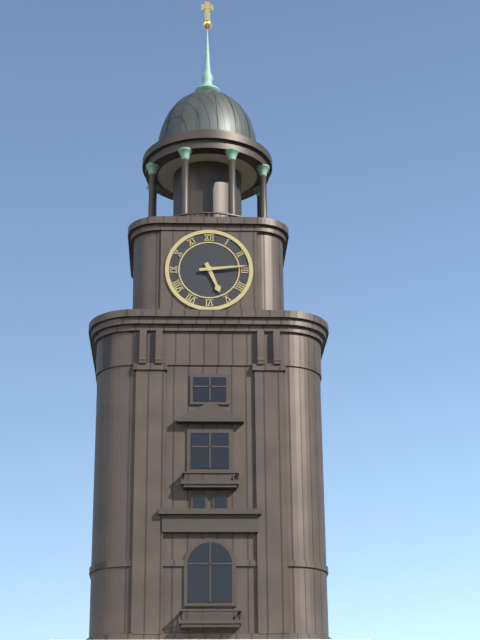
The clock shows 5:14
